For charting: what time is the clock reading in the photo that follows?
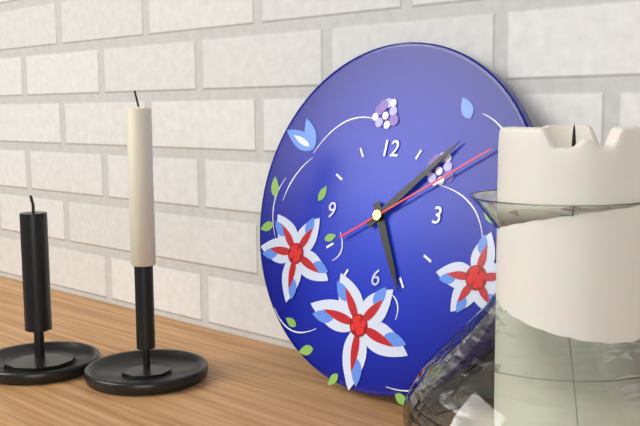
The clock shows 5:08:10
